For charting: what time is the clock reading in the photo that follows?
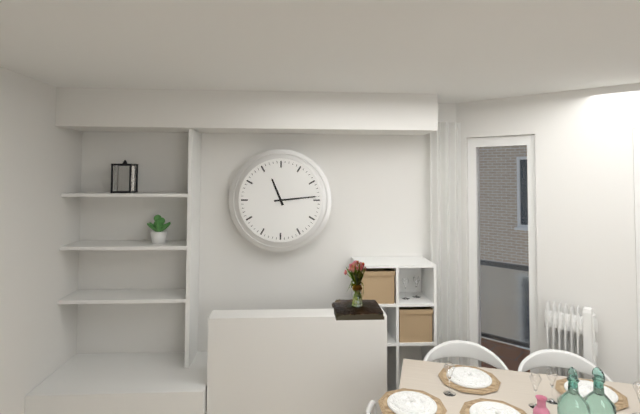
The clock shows 11:14
